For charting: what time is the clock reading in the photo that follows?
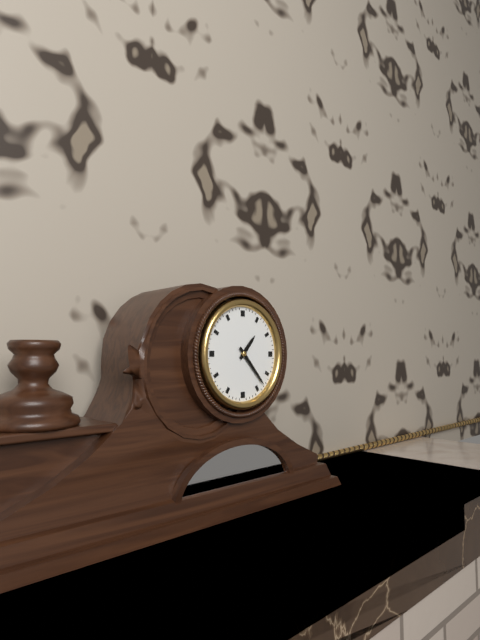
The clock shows 1:23
